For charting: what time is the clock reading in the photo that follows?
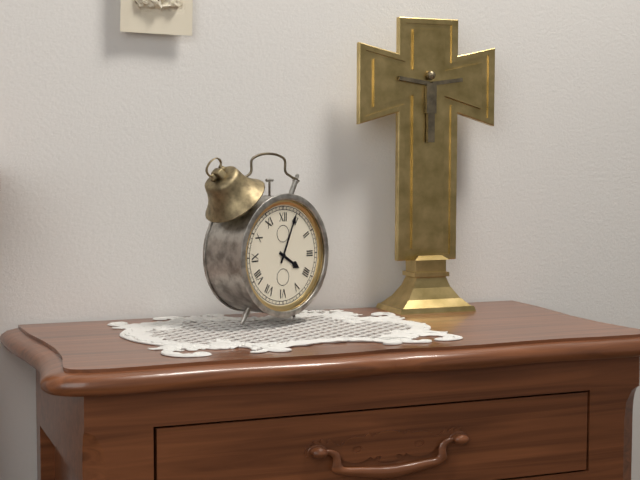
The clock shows 4:04
